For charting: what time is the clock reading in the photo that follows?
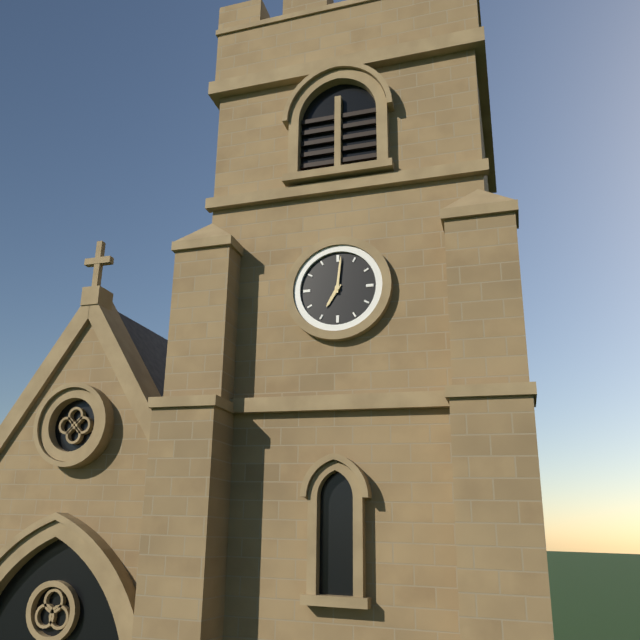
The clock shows 7:01
